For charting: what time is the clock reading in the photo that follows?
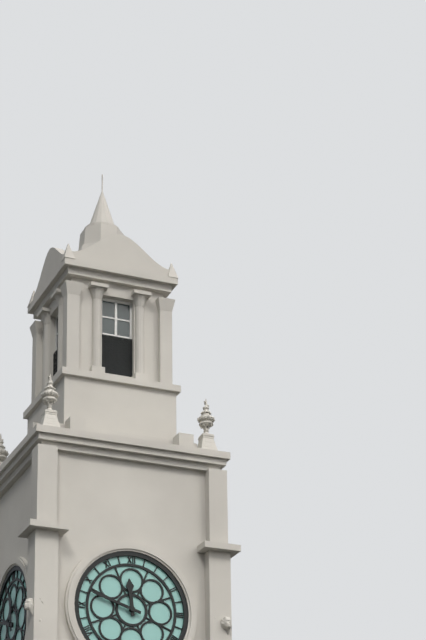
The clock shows 11:48
